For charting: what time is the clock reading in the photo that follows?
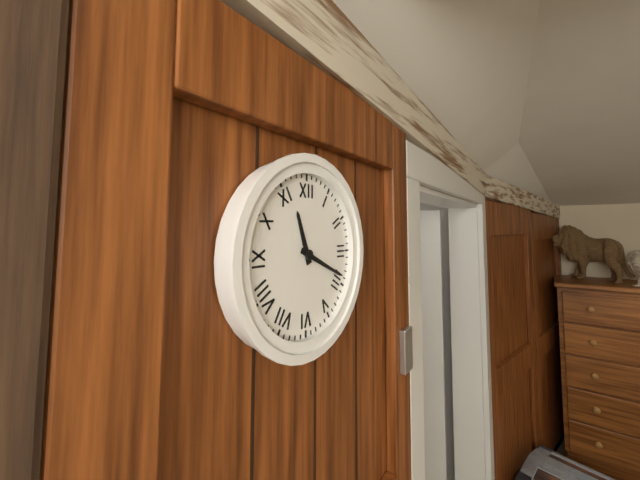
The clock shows 11:19
